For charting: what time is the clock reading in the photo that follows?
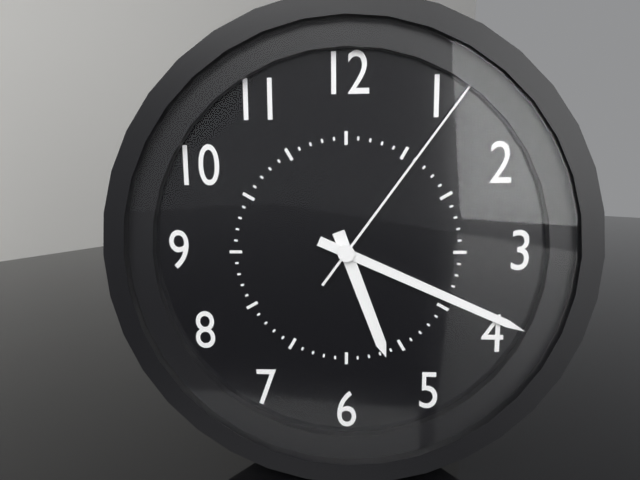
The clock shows 5:19:06
